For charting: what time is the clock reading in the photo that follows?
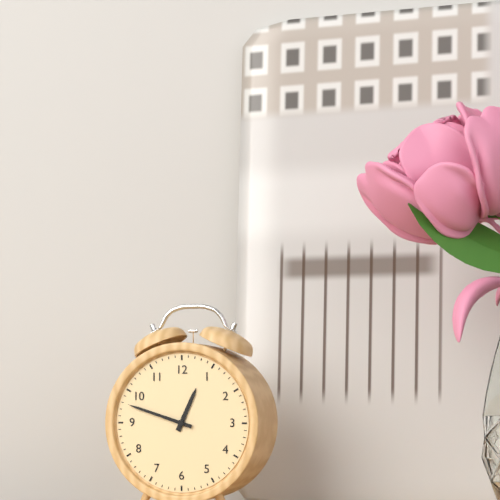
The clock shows 12:48
